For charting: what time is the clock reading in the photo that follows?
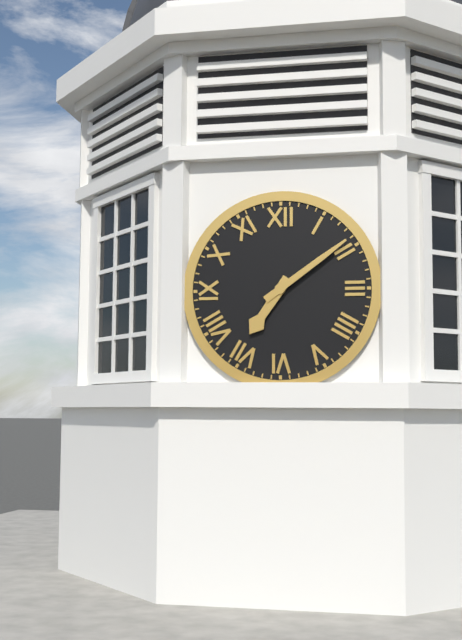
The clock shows 7:09
